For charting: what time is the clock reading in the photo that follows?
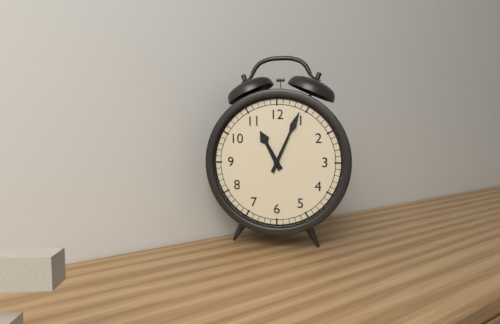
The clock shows 11:04
